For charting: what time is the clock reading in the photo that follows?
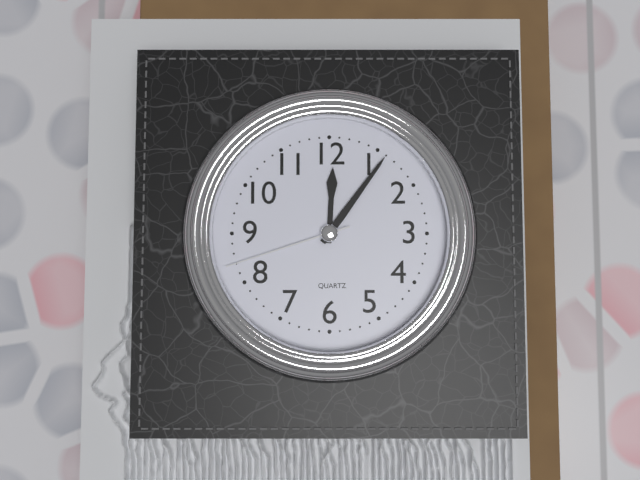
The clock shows 12:06:42
